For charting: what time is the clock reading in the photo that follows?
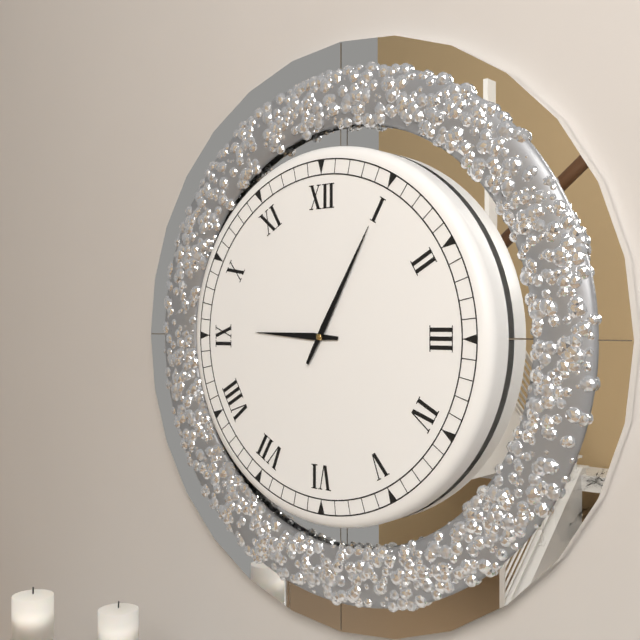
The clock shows 9:05
